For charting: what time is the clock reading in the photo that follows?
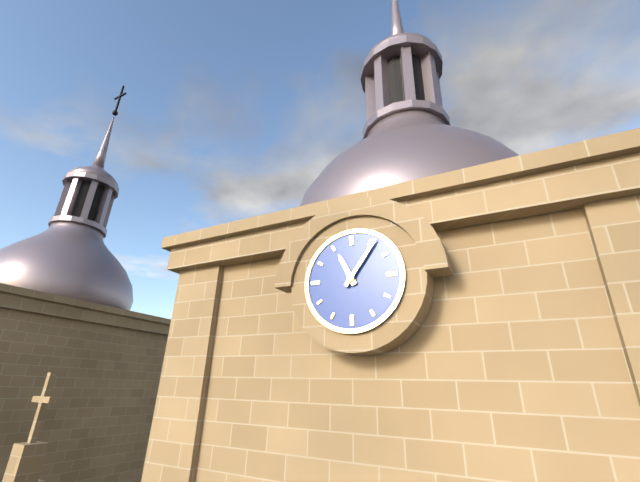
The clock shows 11:06
